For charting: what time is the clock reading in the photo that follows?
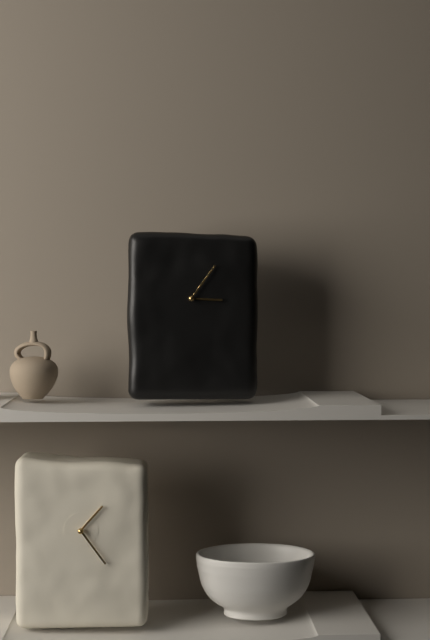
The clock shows 3:06
